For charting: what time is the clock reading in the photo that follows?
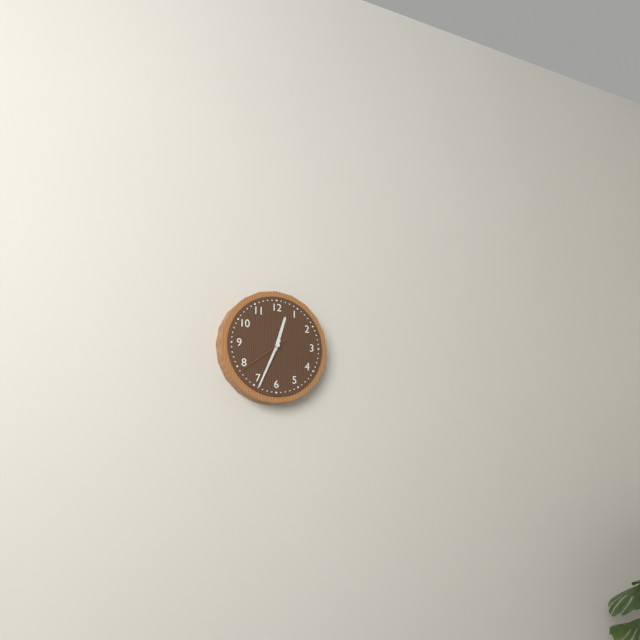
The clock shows 12:34:39
